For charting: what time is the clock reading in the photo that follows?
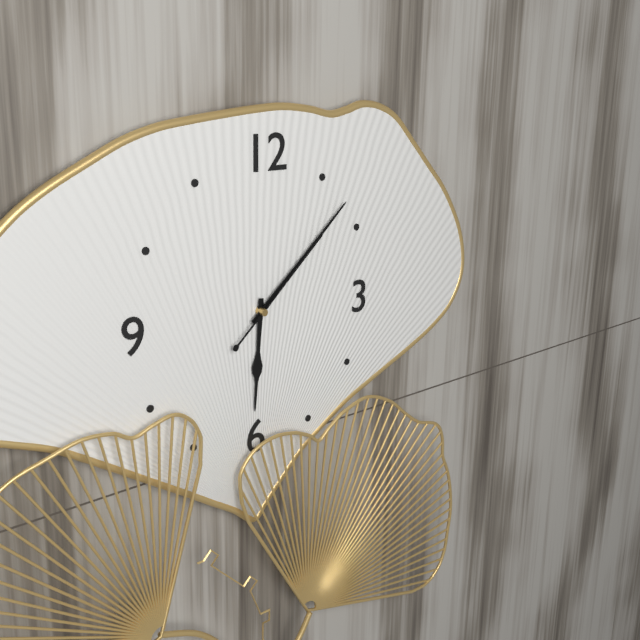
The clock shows 6:08:08
